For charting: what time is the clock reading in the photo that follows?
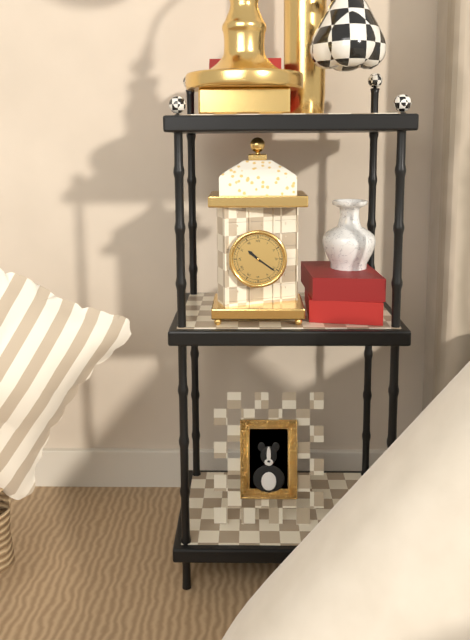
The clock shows 10:21
